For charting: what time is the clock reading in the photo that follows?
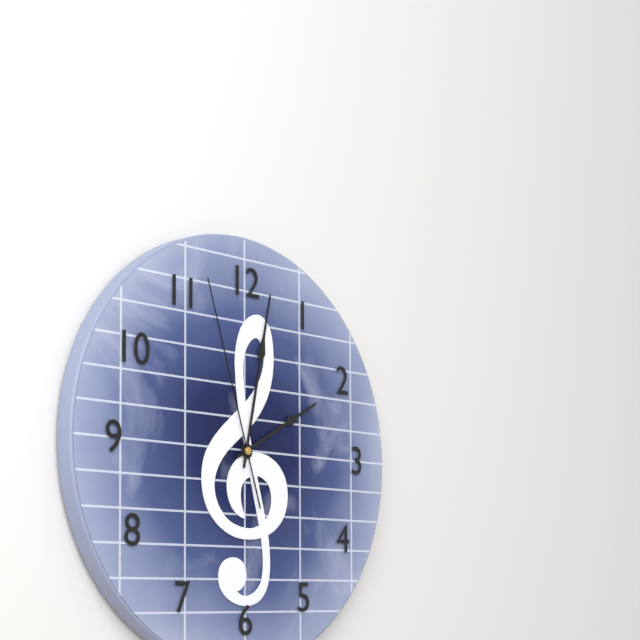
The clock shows 2:02:57
